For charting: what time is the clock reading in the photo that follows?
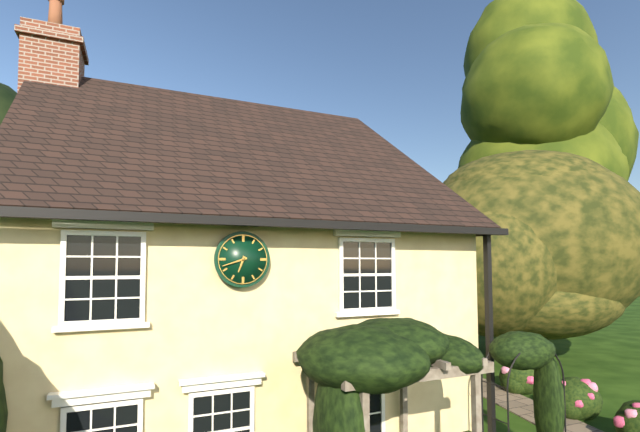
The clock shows 6:42
